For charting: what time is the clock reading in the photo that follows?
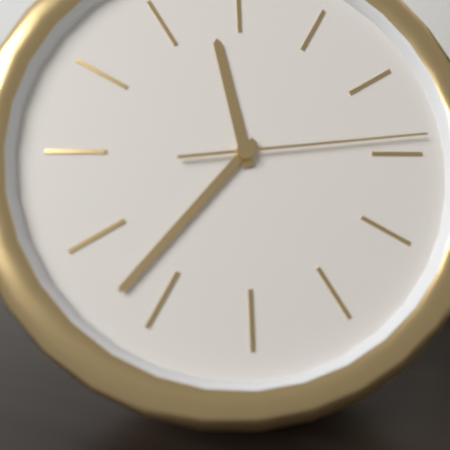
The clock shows 11:37:14
